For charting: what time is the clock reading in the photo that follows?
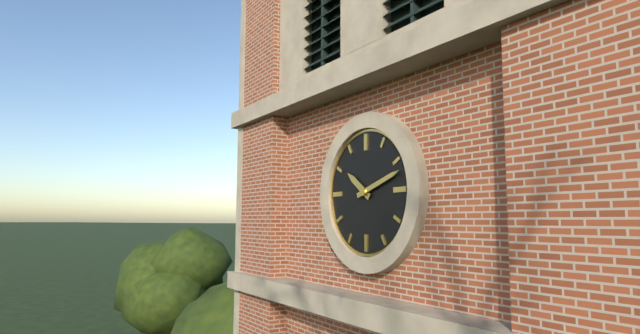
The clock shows 10:12
